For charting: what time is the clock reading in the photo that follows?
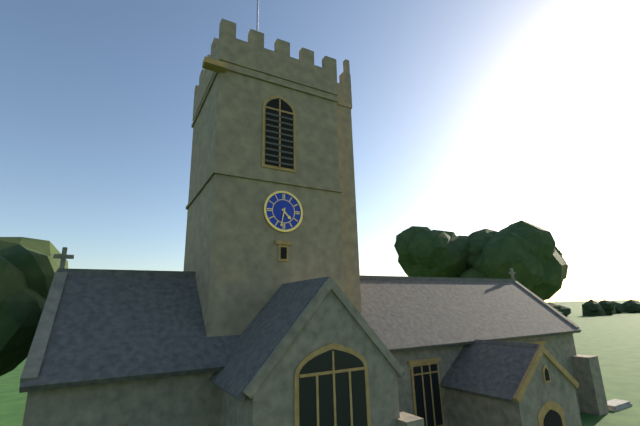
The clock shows 4:32
